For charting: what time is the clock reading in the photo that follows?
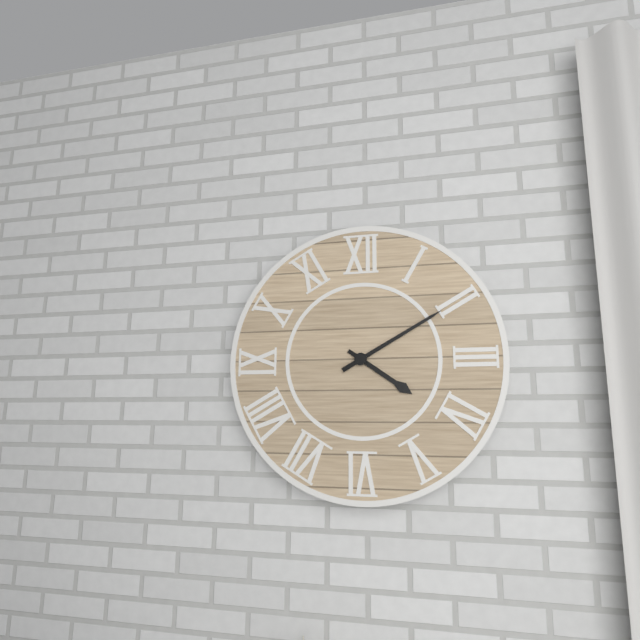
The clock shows 4:10
